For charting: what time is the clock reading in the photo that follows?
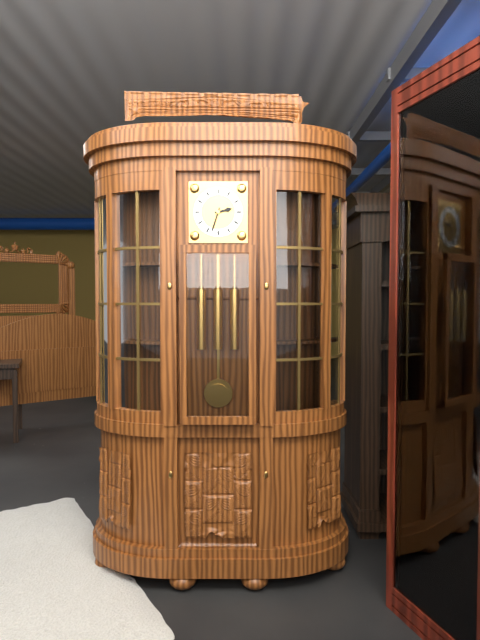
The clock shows 2:33
